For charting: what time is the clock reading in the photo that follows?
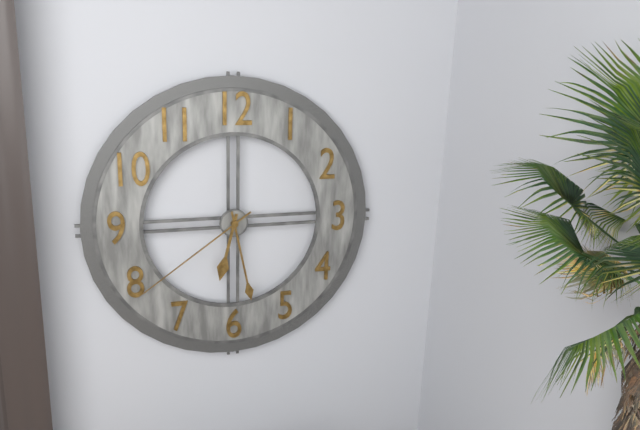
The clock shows 6:28:39
